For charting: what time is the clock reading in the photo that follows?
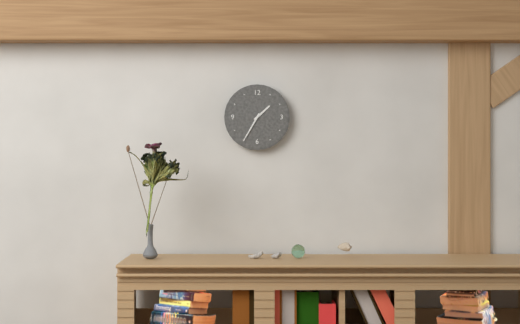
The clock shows 1:35
